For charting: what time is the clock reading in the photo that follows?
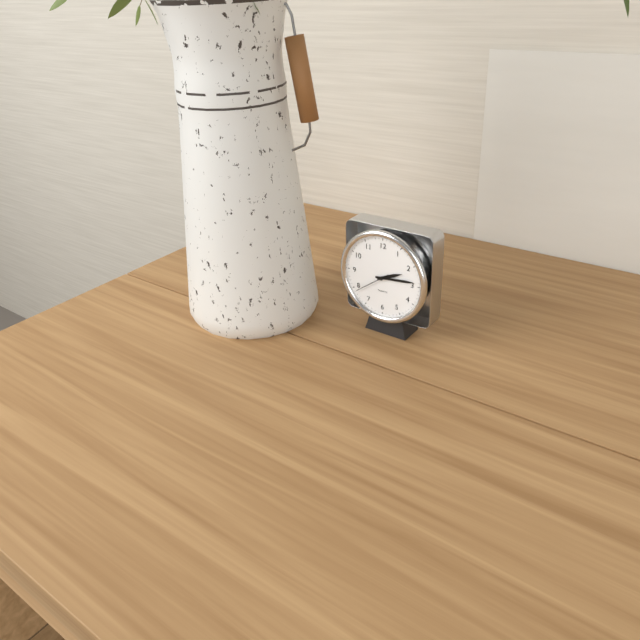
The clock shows 2:14
